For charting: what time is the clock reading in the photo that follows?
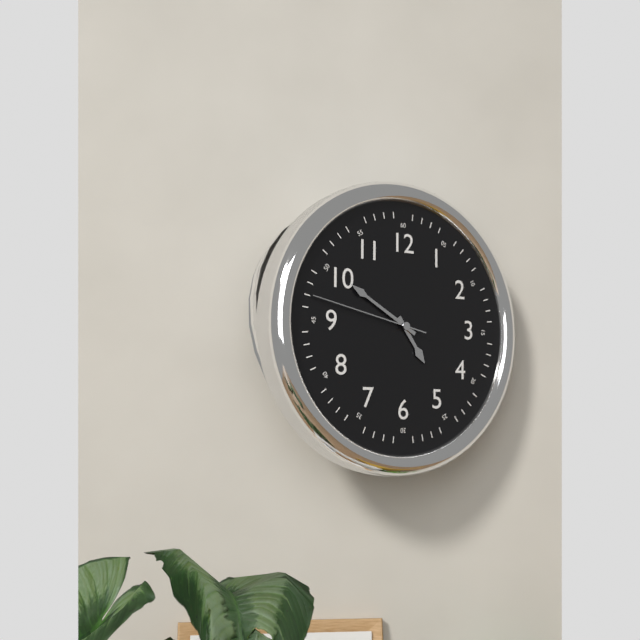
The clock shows 4:50:47
